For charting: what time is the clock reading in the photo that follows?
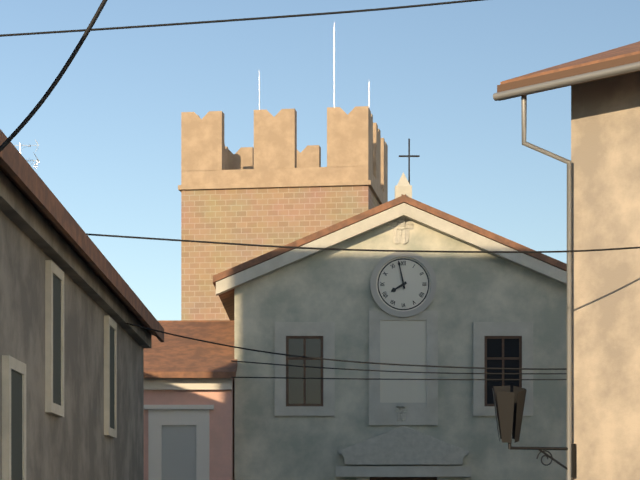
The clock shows 7:58
